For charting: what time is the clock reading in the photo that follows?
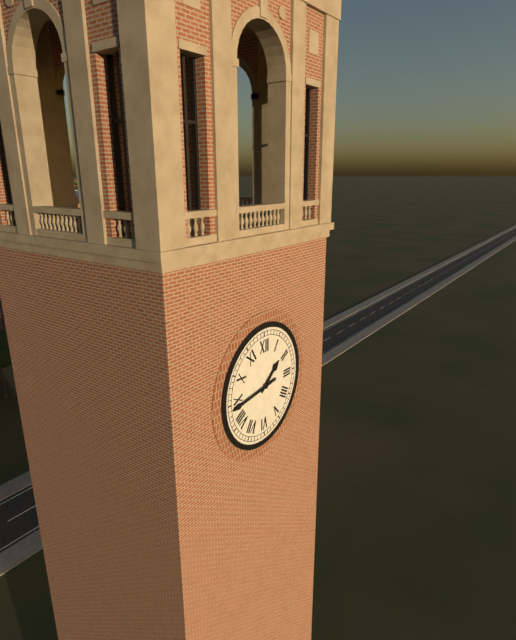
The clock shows 1:44
